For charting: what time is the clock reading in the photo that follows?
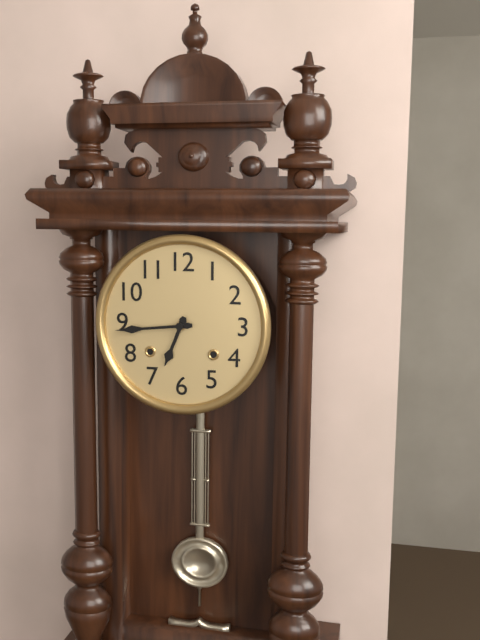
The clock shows 6:44
